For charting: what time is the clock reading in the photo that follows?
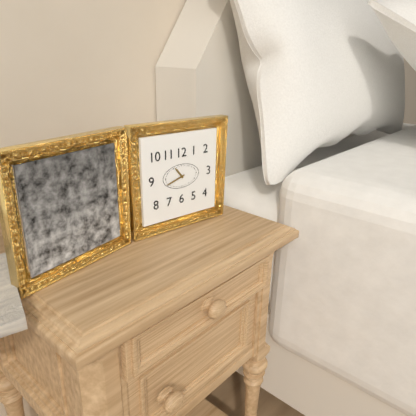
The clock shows 10:42
